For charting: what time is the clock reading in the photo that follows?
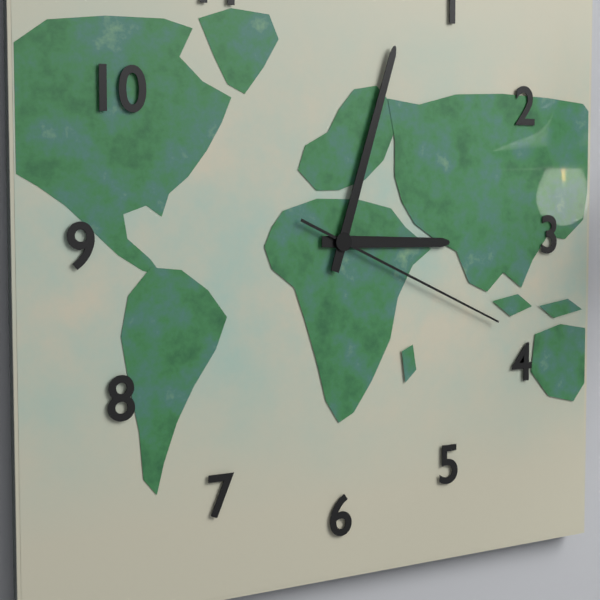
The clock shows 3:03:19
